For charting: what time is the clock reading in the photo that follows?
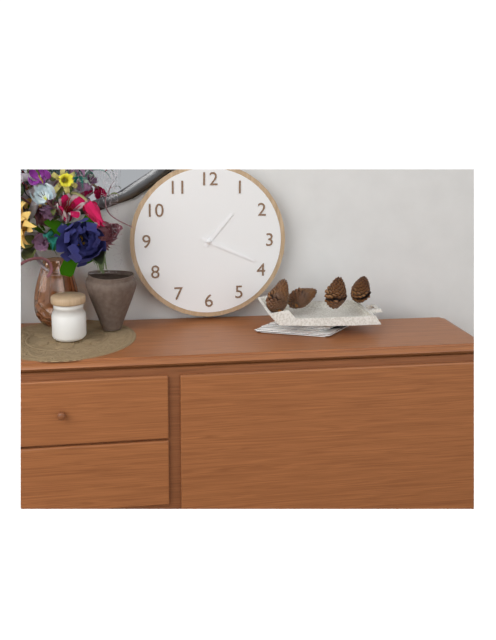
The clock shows 1:19
